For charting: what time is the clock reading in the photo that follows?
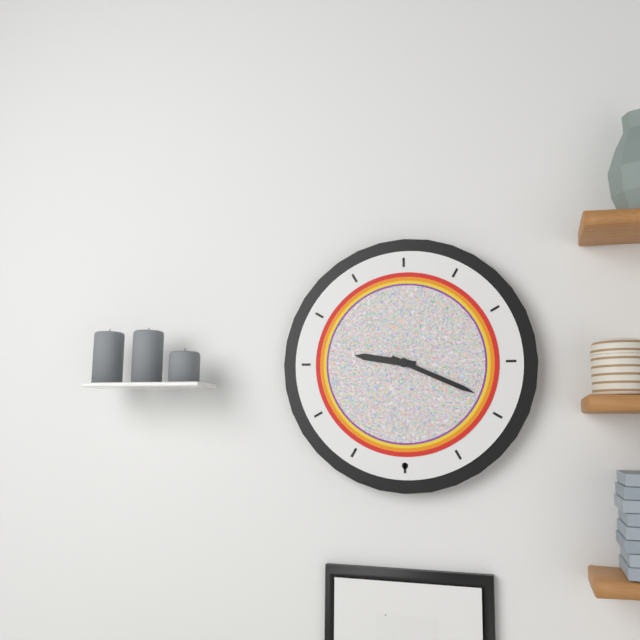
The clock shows 9:19
